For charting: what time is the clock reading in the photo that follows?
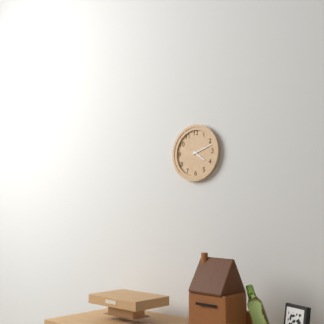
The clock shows 4:12
